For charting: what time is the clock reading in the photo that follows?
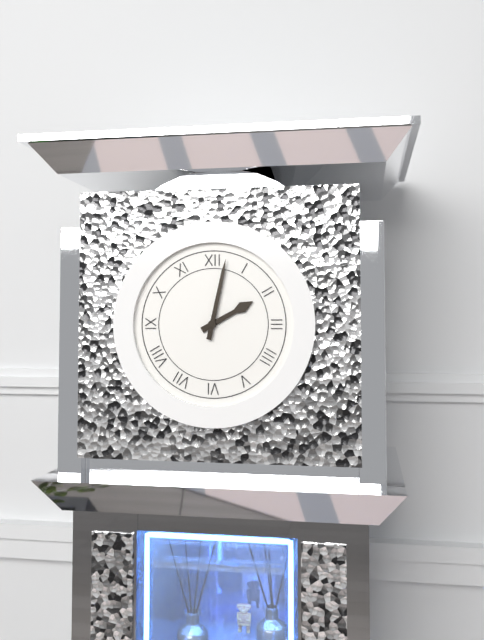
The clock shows 2:02
